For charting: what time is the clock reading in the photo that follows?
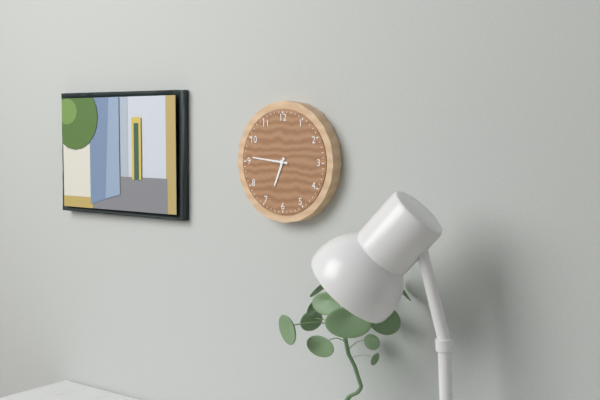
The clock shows 6:46
